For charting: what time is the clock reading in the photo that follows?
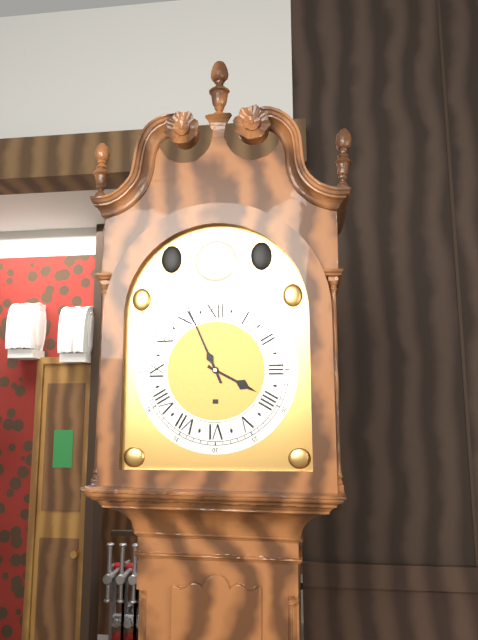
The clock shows 3:56
